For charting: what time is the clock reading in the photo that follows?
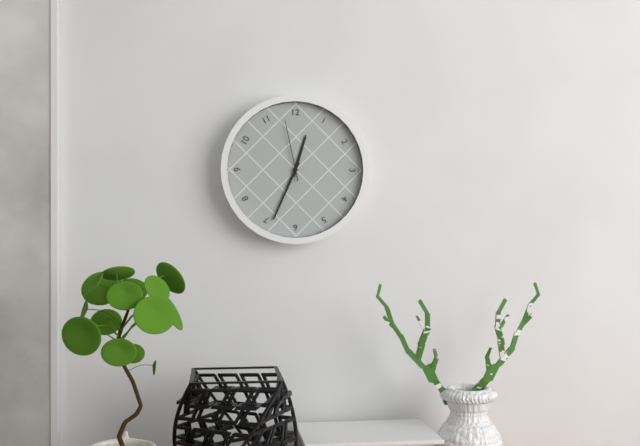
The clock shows 12:34:58
